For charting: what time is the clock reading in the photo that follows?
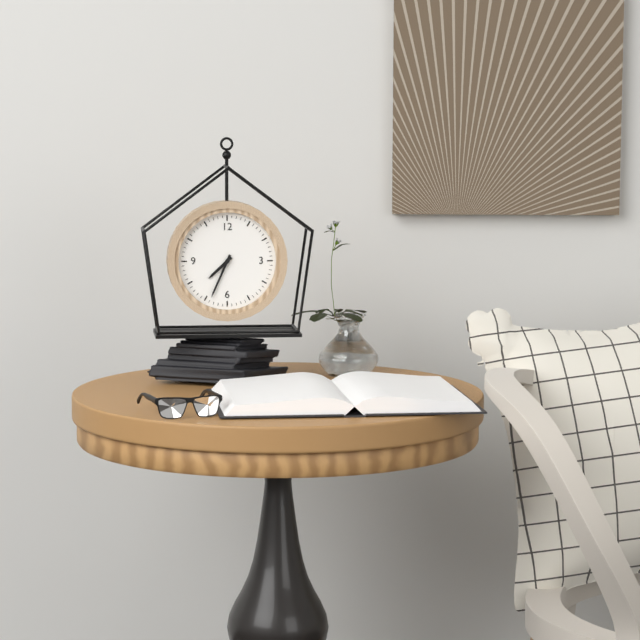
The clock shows 7:34
